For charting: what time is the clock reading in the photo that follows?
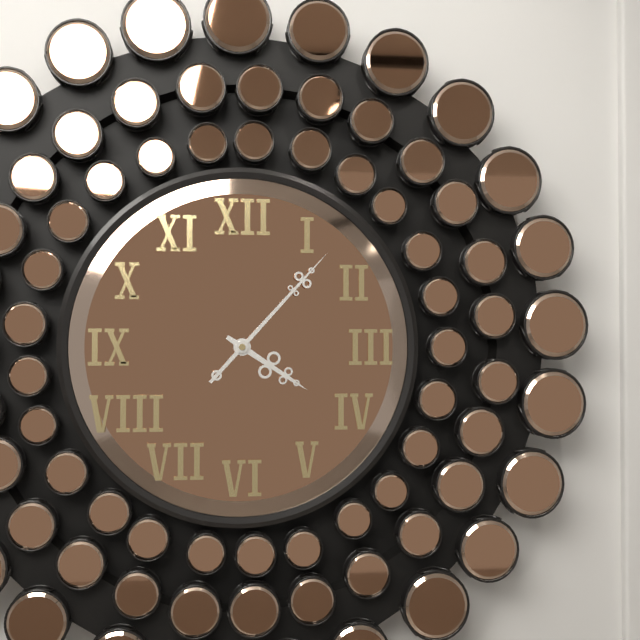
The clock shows 4:07
